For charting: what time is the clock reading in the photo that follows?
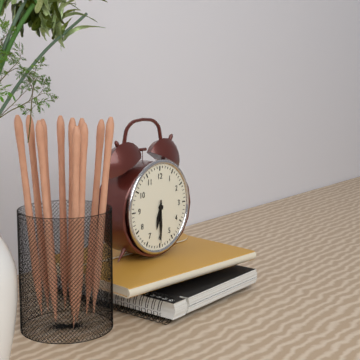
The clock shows 6:30
